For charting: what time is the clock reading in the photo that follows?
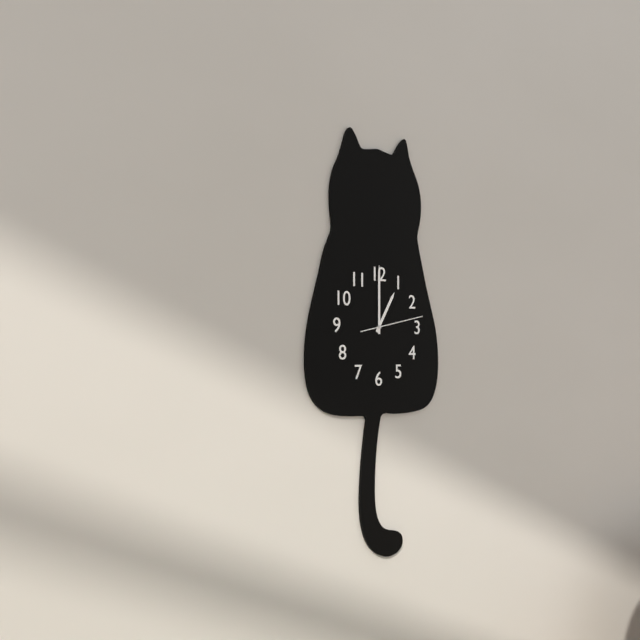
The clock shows 1:00:13
